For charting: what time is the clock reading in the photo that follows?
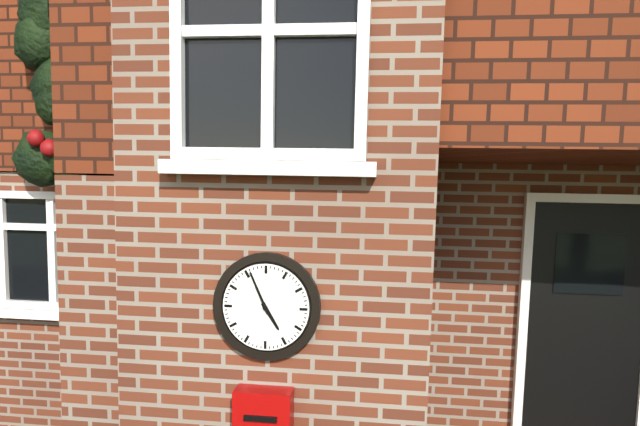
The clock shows 4:56
